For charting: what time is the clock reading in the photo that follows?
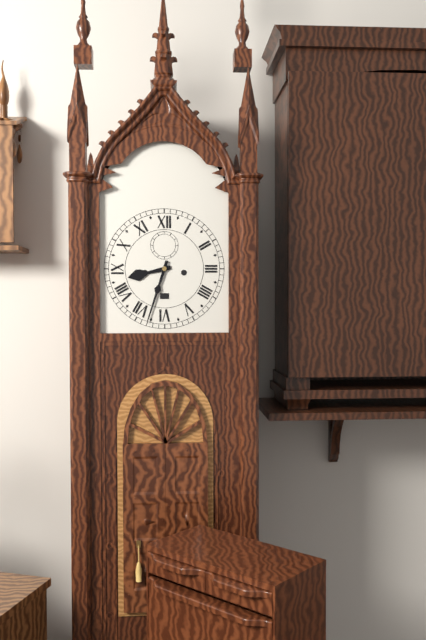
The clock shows 8:33
